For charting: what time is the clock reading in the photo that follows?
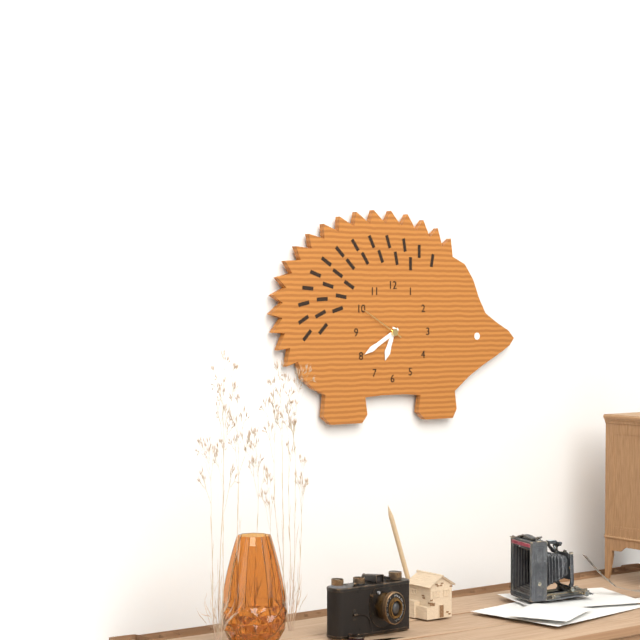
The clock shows 6:40
